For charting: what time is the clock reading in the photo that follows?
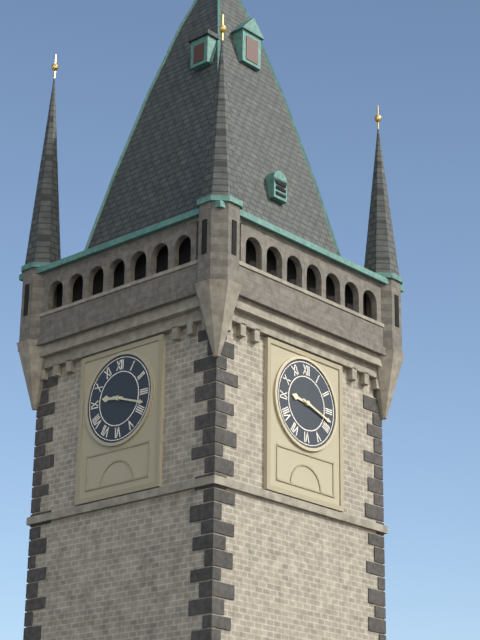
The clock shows 9:18
